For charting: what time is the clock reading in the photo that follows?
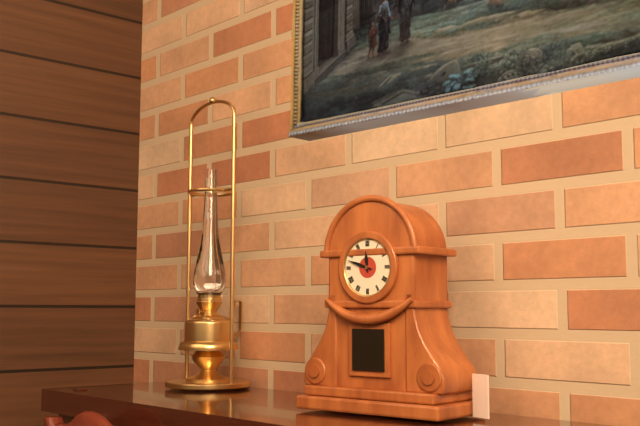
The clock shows 11:48
